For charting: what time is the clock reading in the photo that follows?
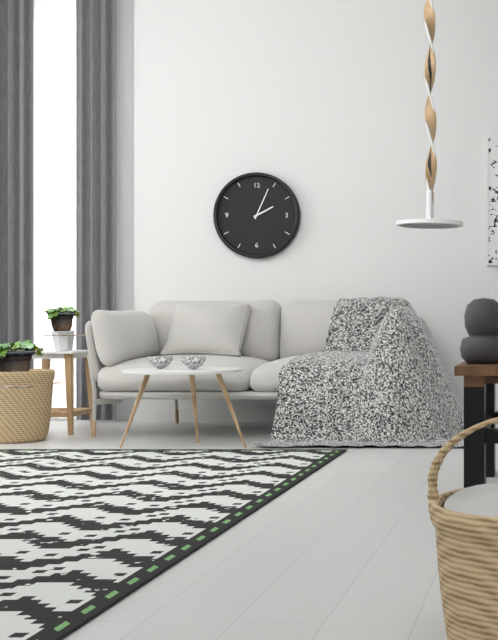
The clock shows 2:04
